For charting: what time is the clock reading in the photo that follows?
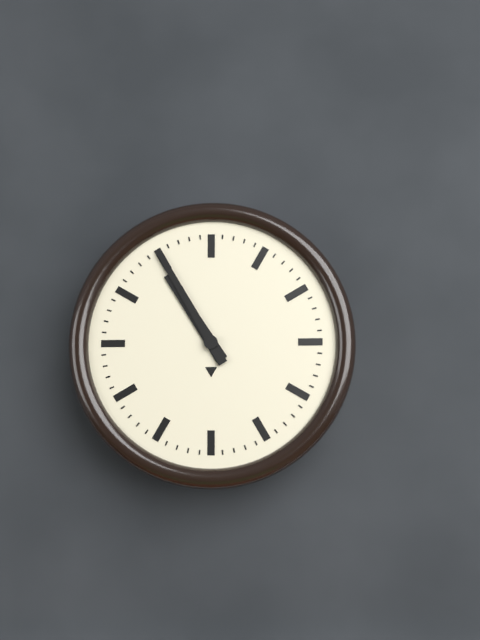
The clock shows 10:55
